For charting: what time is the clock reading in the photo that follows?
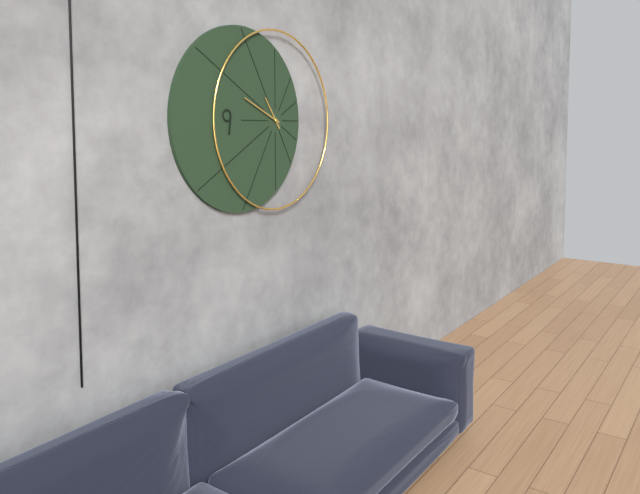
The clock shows 10:49
